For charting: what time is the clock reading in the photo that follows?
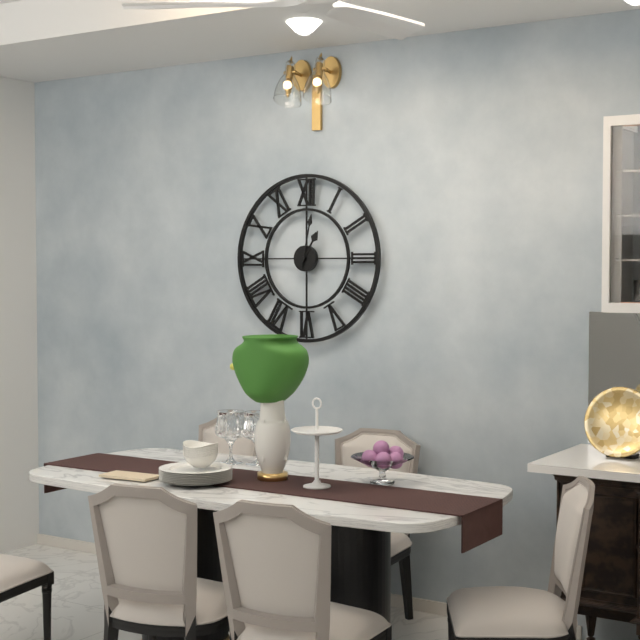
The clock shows 1:02
